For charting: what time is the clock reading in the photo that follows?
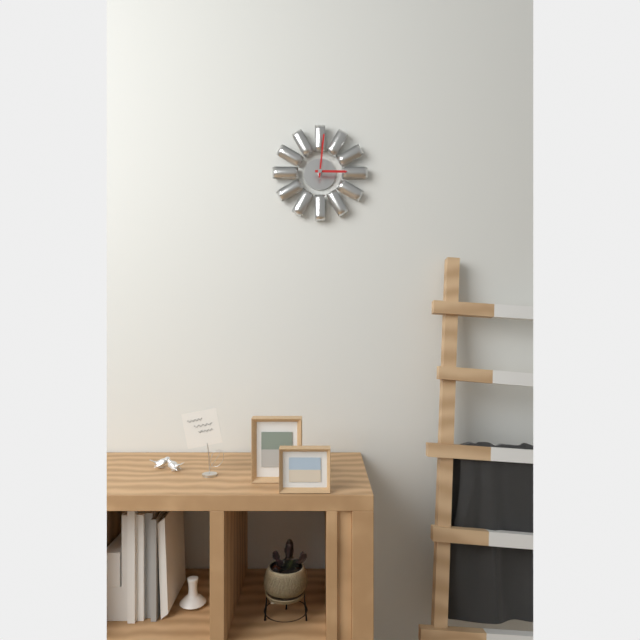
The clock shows 3:01
